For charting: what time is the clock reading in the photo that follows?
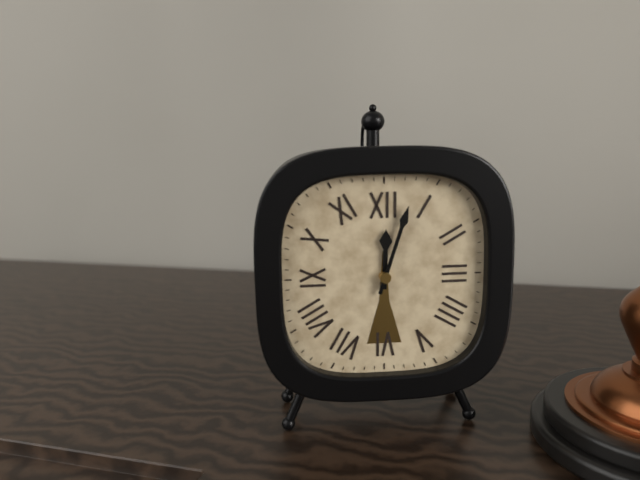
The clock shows 12:03
